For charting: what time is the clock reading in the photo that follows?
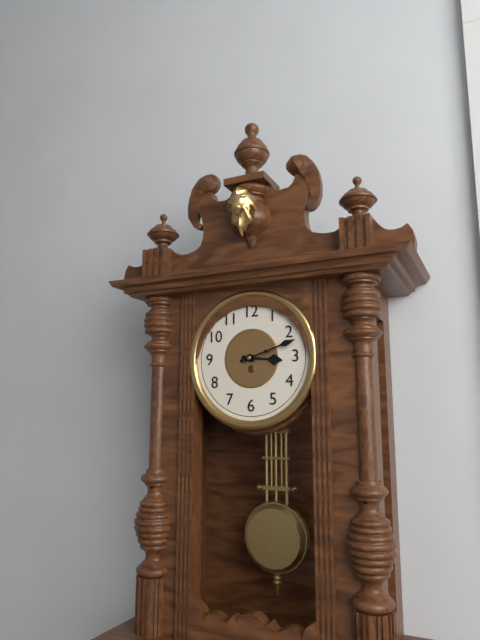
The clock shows 3:12
